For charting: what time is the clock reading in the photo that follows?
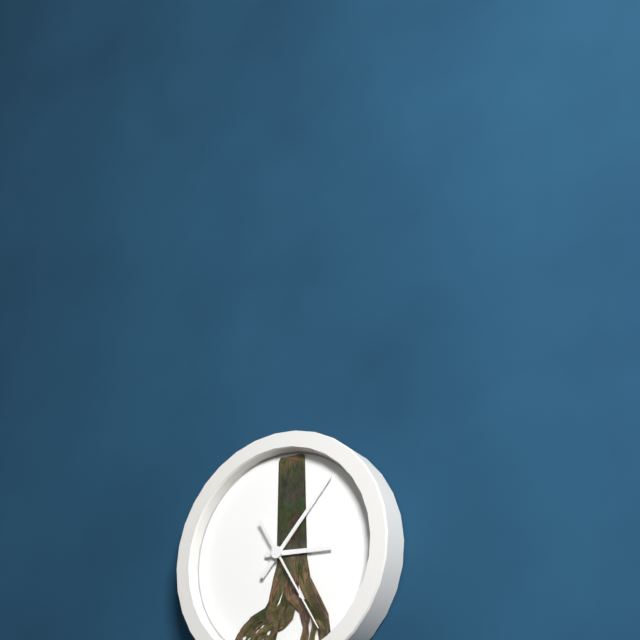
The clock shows 3:07:25
